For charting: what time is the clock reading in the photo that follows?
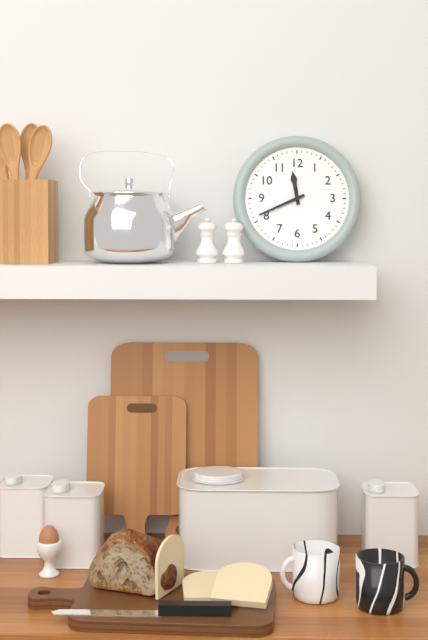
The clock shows 11:41
